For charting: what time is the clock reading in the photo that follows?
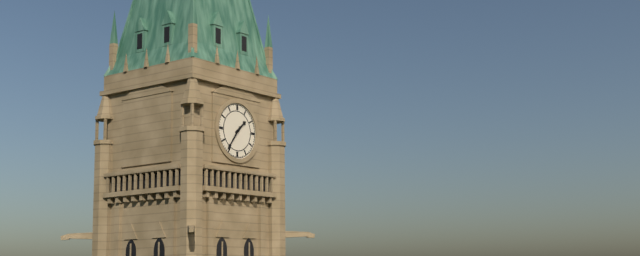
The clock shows 1:36
